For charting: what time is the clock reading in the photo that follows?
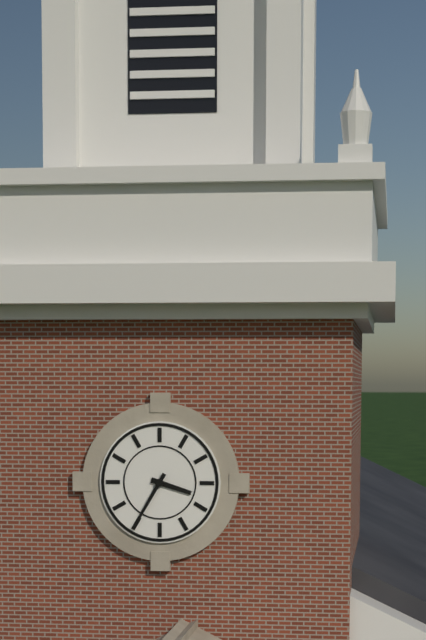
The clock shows 3:35
